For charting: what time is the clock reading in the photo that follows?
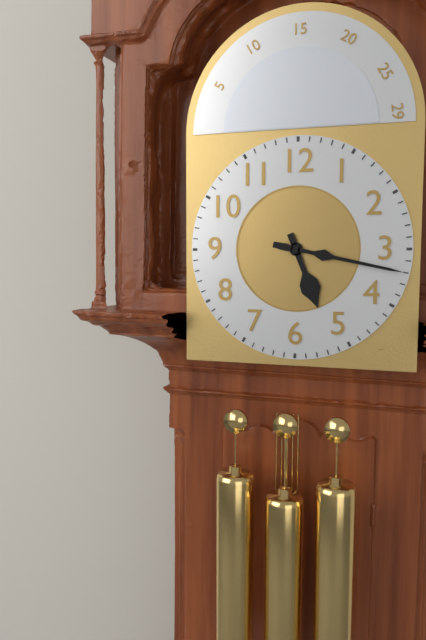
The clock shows 5:17
